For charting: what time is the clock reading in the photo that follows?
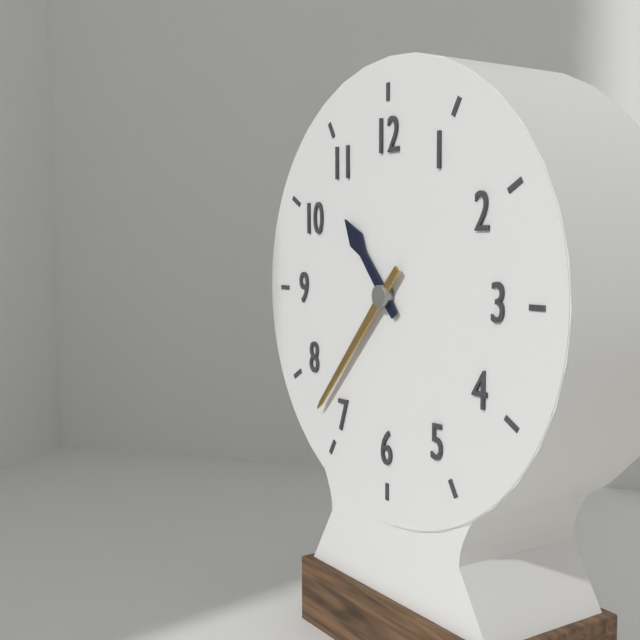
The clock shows 10:37
